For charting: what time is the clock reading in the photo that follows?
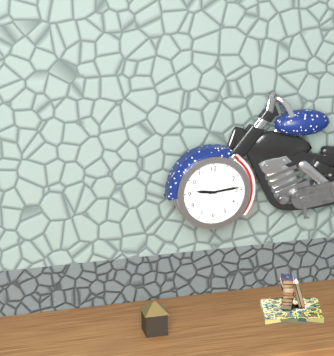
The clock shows 9:14
